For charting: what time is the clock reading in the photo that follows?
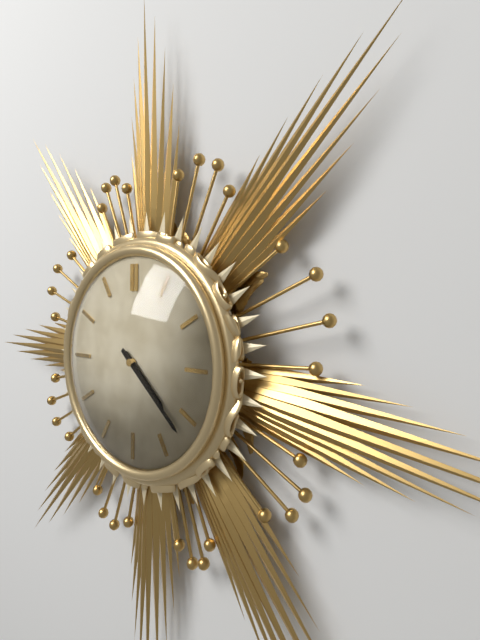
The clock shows 4:22
